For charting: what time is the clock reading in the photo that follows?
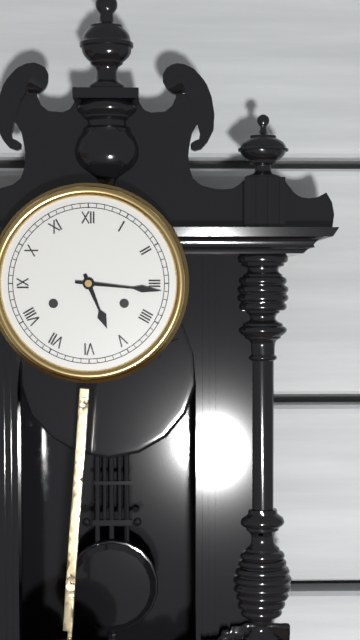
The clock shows 5:16
